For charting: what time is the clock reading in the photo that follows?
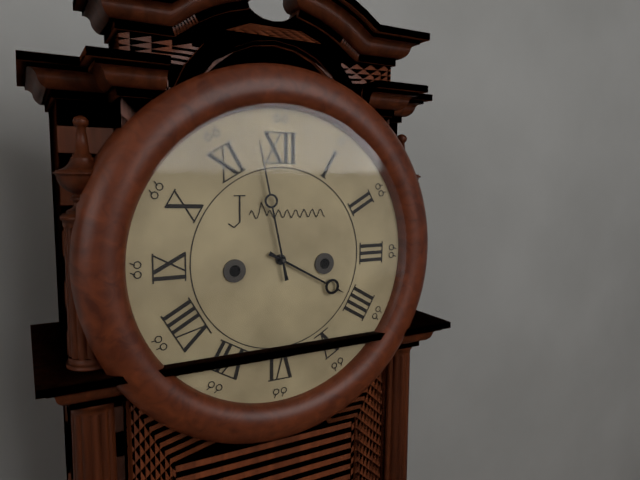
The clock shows 3:58
